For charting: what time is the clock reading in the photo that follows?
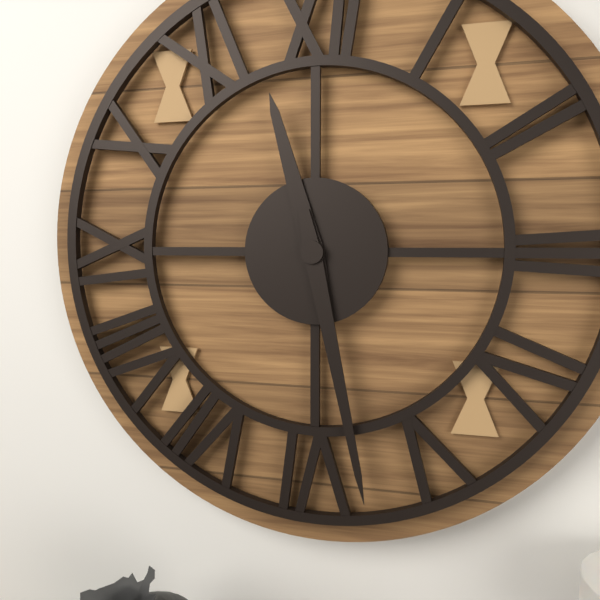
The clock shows 11:28
